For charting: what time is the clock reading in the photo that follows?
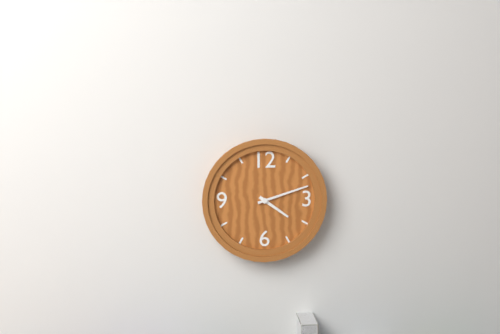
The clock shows 4:12
